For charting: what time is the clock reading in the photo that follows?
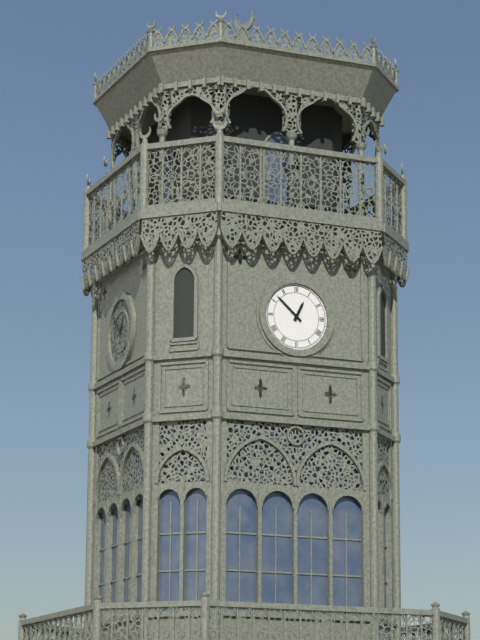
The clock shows 12:52
